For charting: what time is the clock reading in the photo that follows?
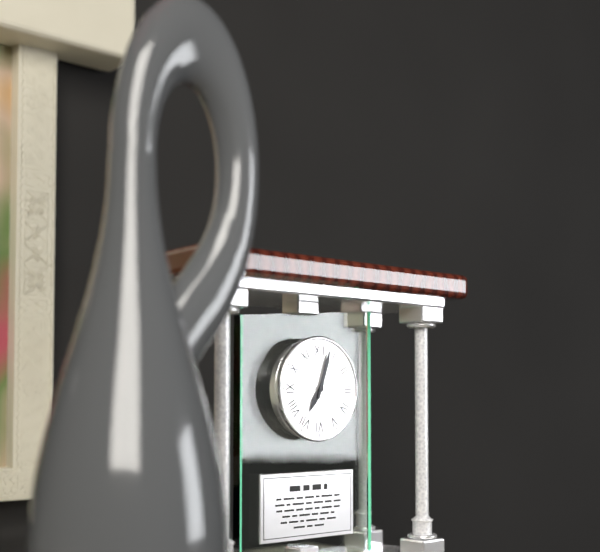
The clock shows 7:03
